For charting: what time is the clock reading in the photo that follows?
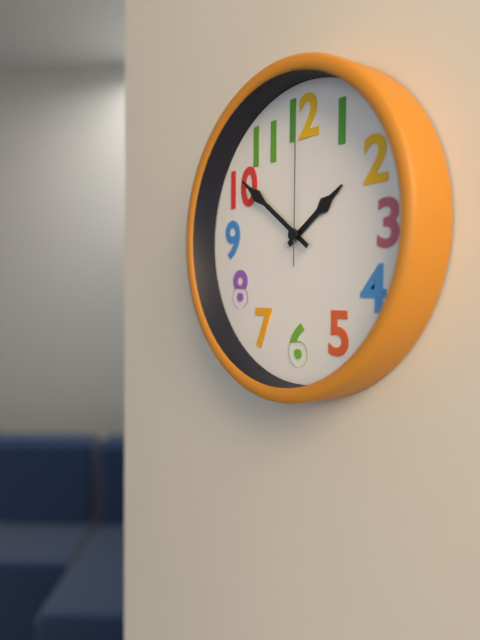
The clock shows 1:51:00
